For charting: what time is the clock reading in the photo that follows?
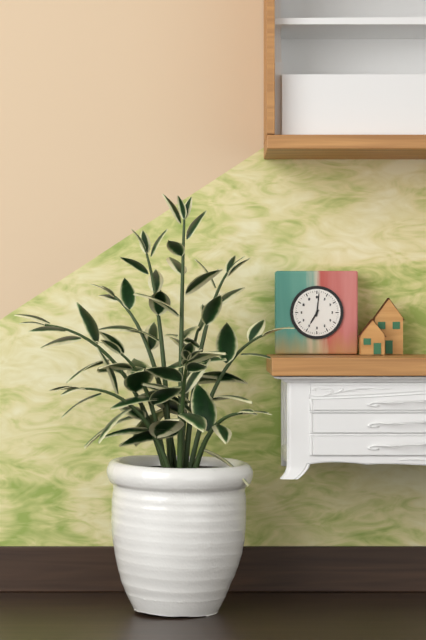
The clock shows 7:01
